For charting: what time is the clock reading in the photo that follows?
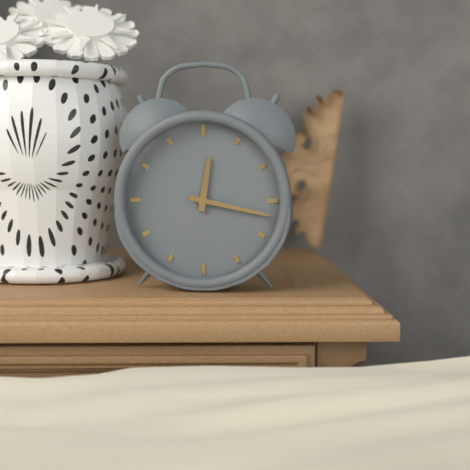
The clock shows 12:17
